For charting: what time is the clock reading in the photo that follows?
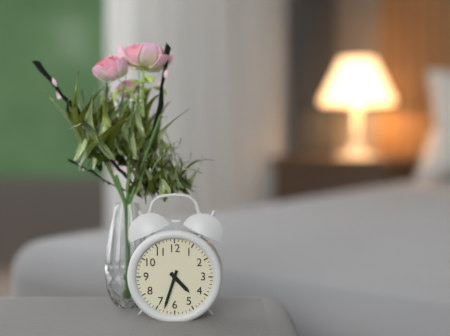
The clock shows 4:33
